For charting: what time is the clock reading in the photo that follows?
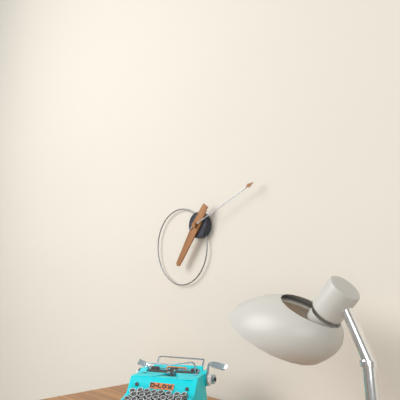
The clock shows 7:11
